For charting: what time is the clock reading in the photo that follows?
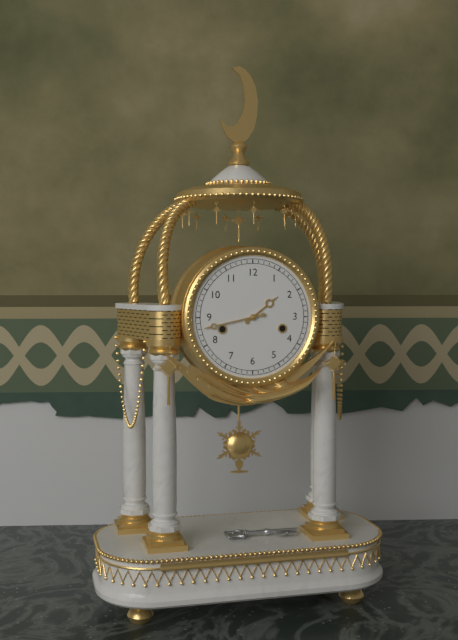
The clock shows 1:43
